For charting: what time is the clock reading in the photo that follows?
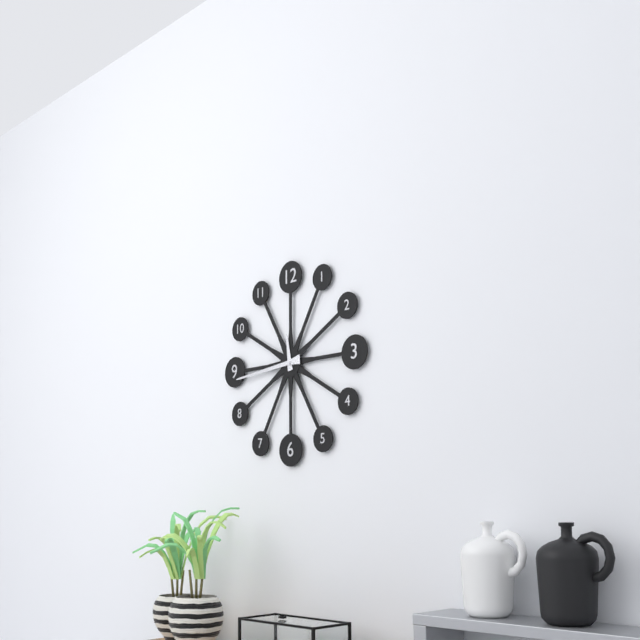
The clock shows 11:44
